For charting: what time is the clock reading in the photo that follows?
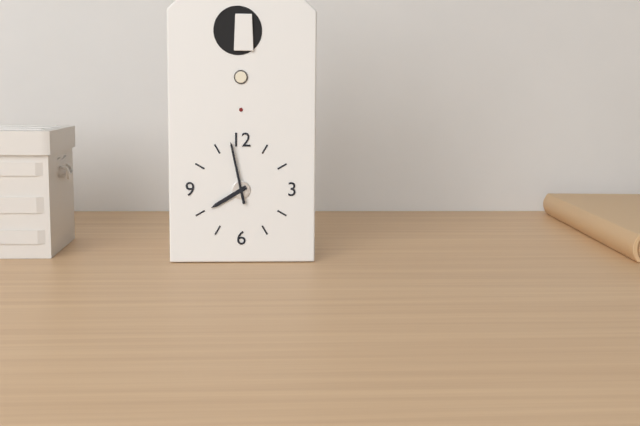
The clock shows 7:58
